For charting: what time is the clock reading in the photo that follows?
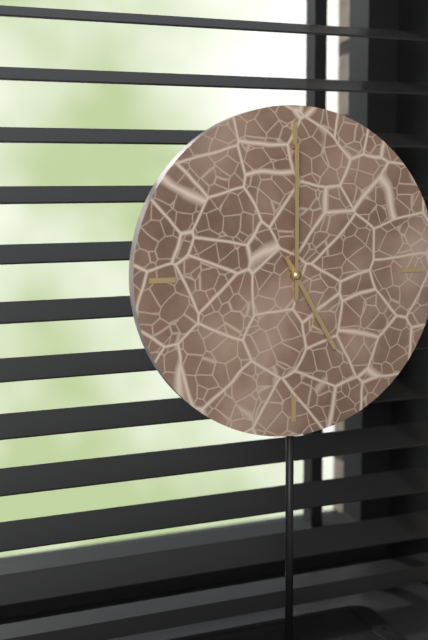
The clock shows 5:00
